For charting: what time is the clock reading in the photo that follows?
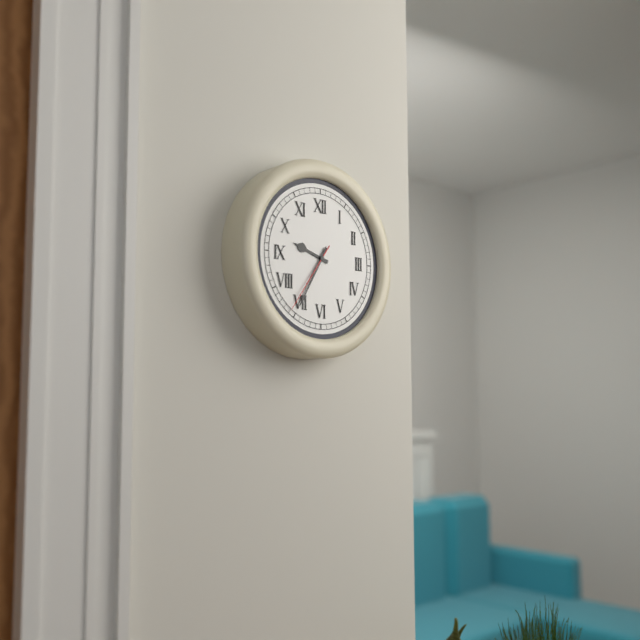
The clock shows 9:35:36
